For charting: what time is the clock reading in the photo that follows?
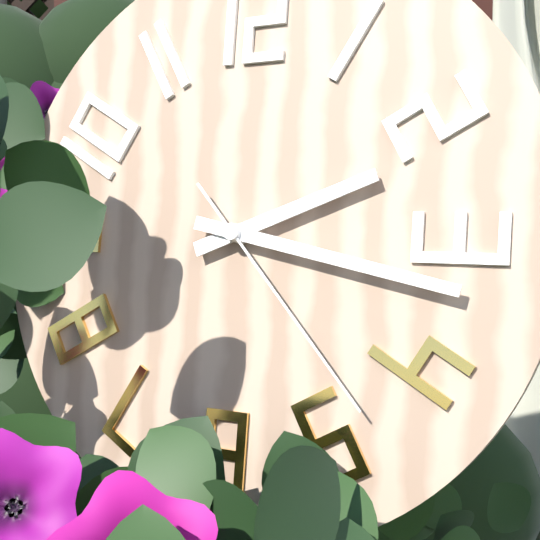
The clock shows 2:17:23
